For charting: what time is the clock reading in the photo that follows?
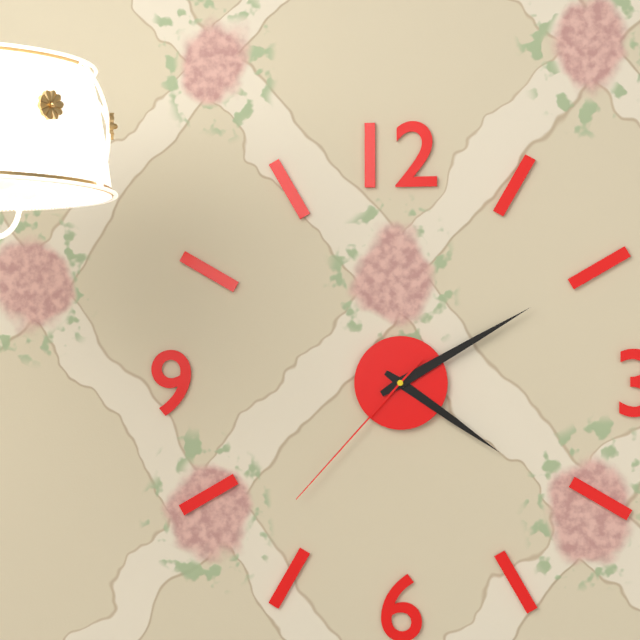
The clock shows 4:10:37
